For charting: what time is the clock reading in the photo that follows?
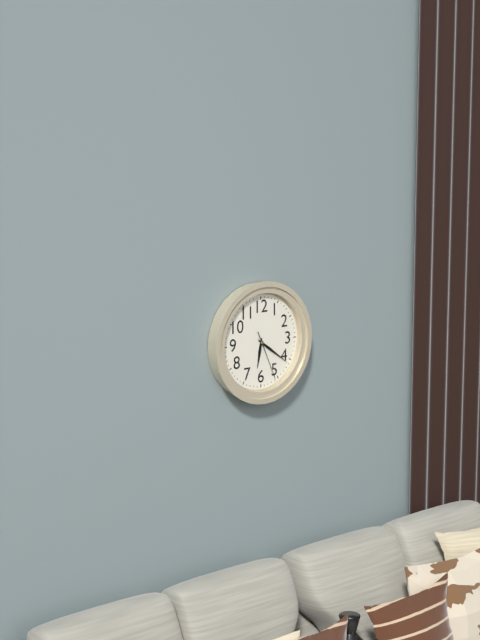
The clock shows 6:21
